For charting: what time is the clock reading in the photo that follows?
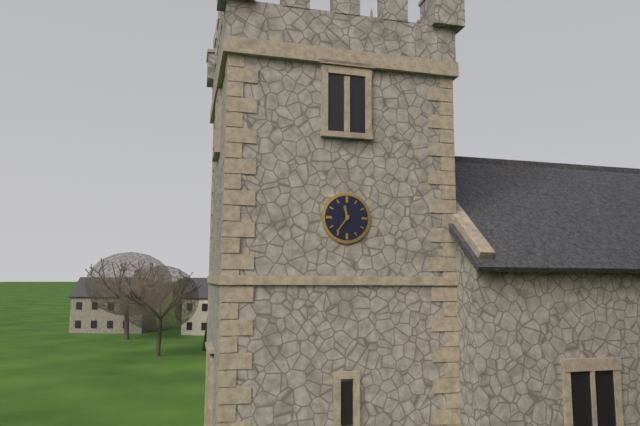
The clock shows 11:36
